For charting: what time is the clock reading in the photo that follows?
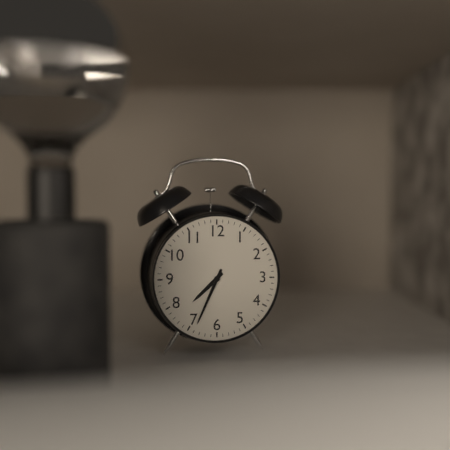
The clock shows 7:34
